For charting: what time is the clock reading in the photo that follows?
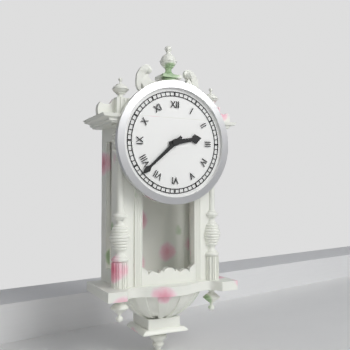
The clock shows 2:38
